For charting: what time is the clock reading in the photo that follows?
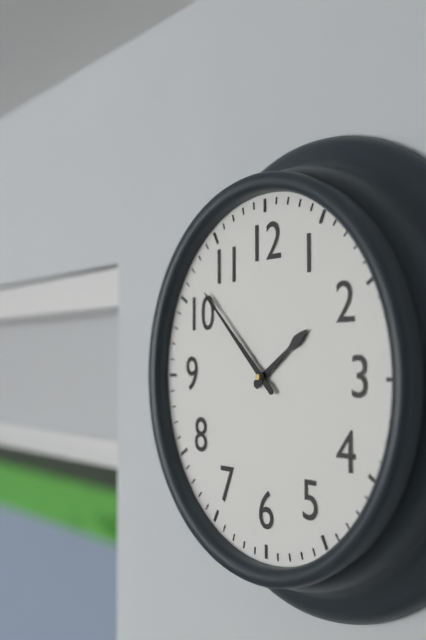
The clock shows 1:52
